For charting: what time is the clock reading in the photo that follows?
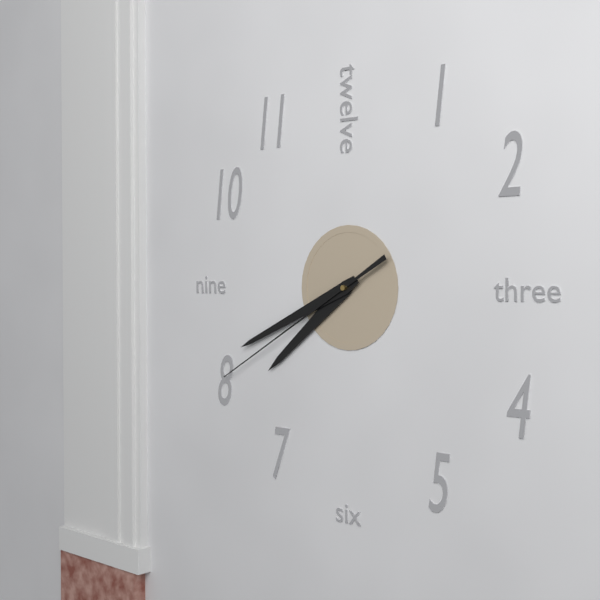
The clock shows 7:41:40
